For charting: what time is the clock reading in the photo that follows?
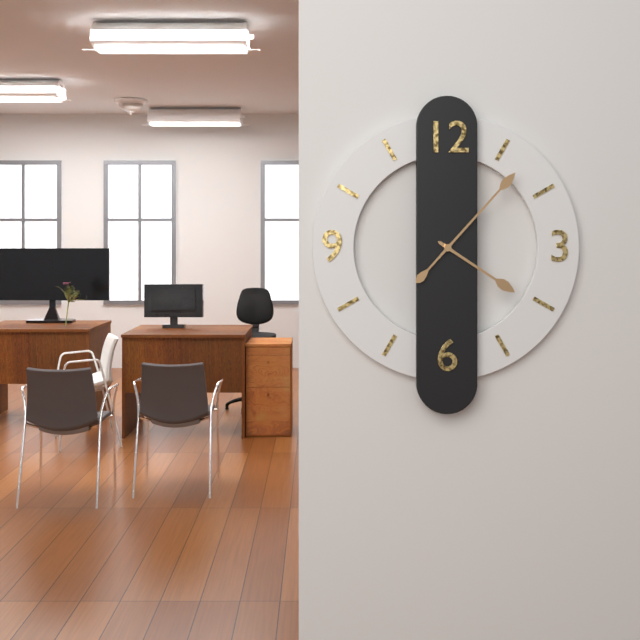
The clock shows 4:07
